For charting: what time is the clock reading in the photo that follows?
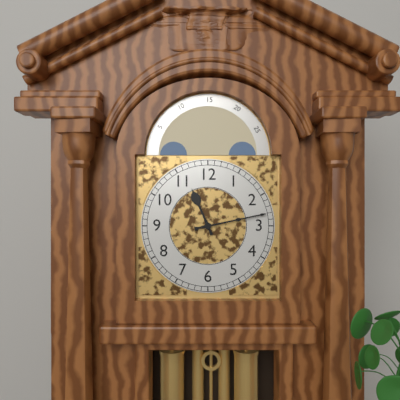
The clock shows 11:13
